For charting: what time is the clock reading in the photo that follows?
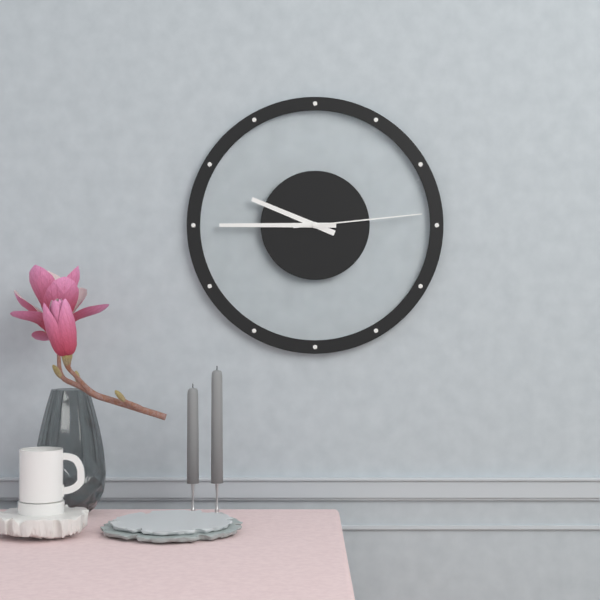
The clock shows 9:45:14
